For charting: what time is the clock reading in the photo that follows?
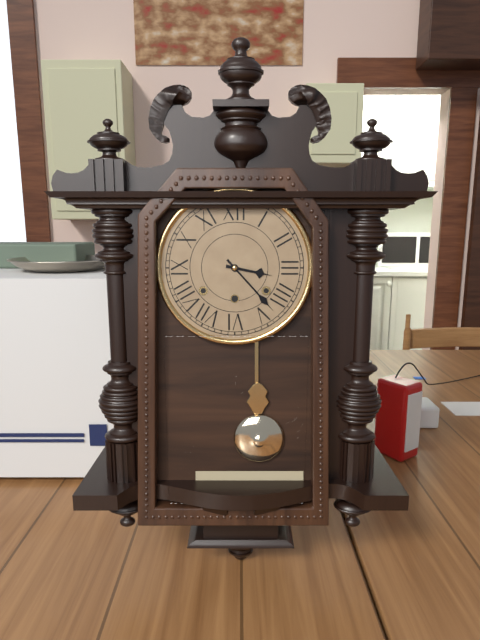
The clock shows 3:23
